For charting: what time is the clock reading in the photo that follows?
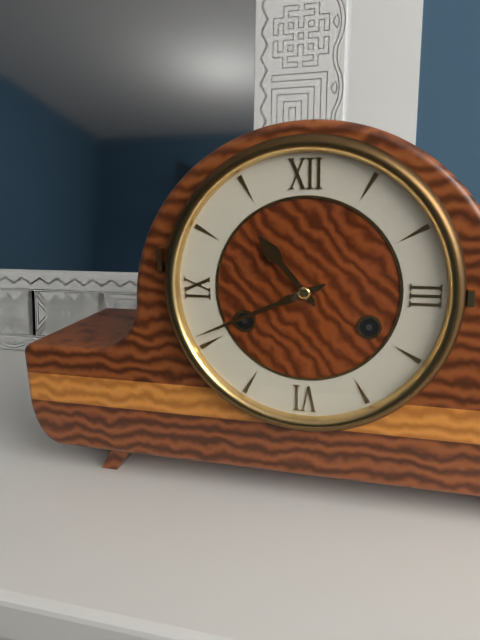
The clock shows 10:41
